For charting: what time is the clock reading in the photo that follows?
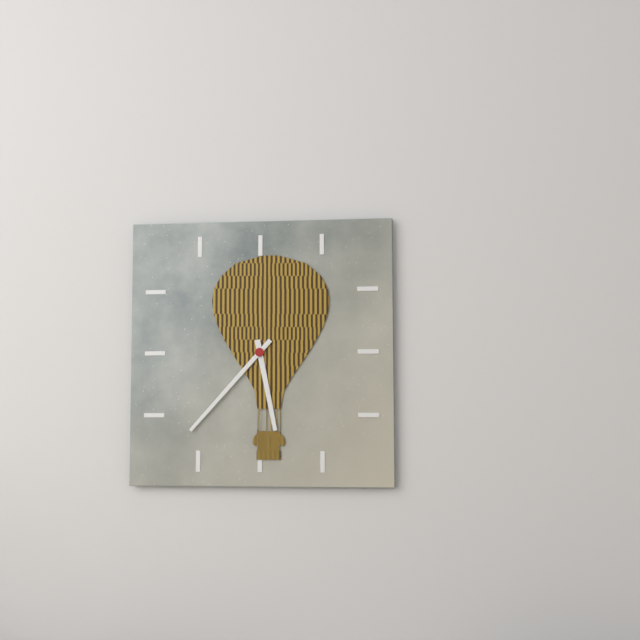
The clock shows 5:37
